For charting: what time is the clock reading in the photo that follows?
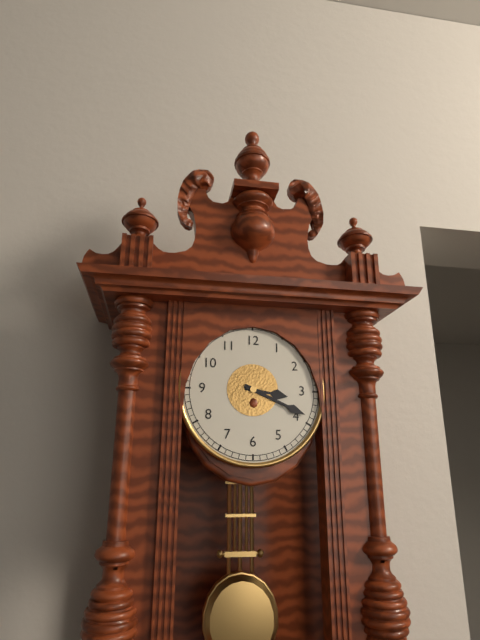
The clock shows 3:19
